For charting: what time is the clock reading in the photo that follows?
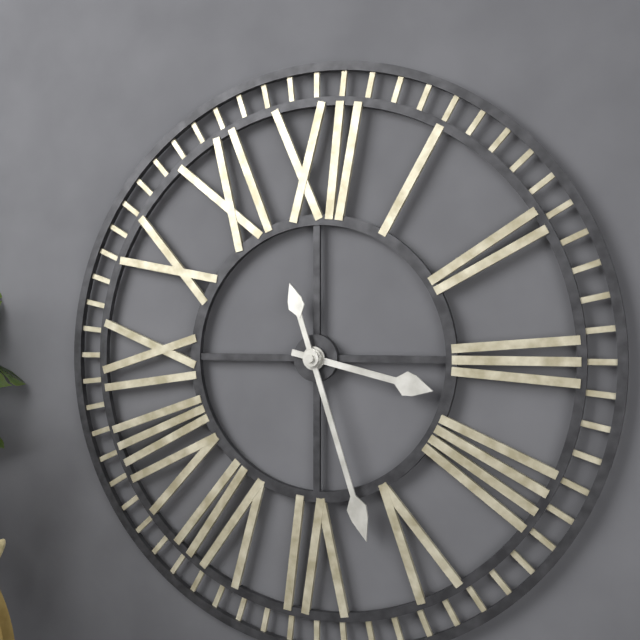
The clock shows 3:27
